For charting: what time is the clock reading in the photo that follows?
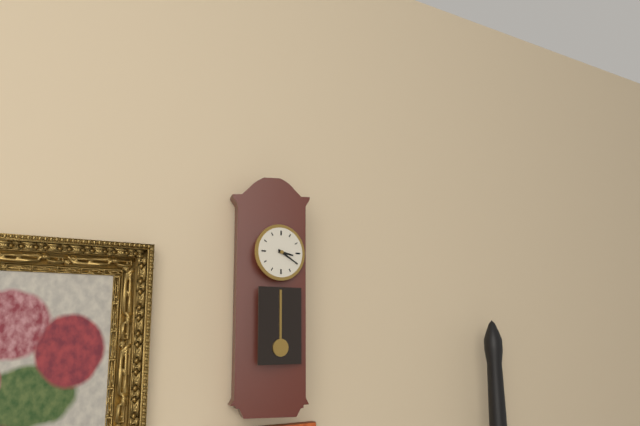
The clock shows 3:20
